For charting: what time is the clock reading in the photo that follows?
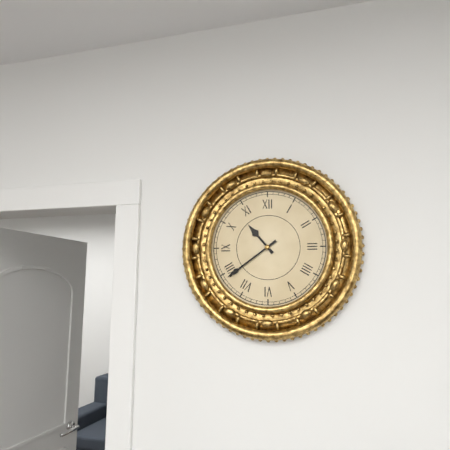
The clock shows 10:39
